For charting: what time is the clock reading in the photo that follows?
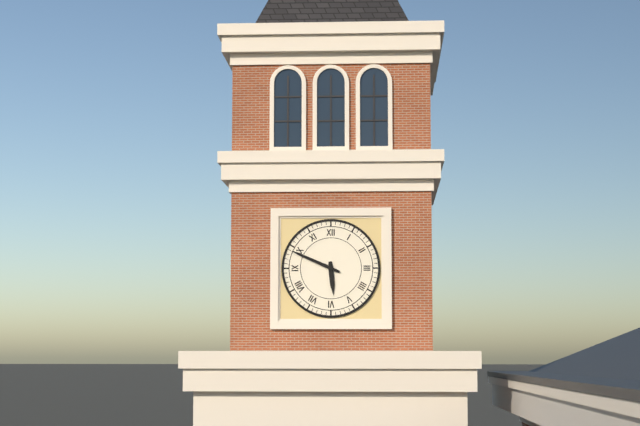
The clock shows 5:49
